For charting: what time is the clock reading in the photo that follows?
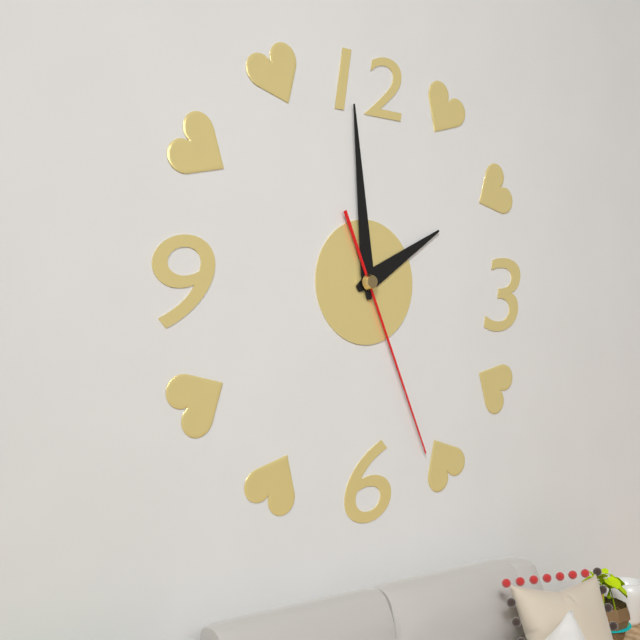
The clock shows 1:59:26
